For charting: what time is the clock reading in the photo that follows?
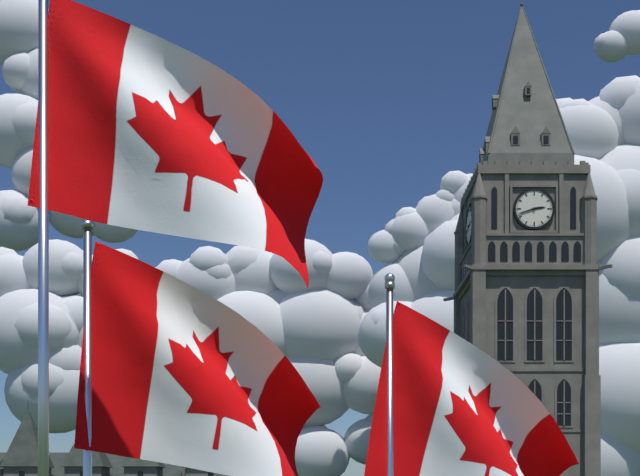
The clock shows 2:42
